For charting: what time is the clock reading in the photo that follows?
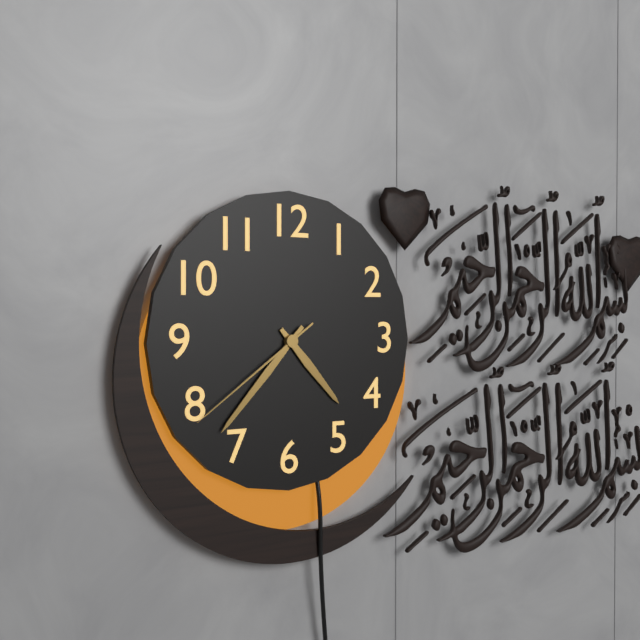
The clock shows 4:37:39
